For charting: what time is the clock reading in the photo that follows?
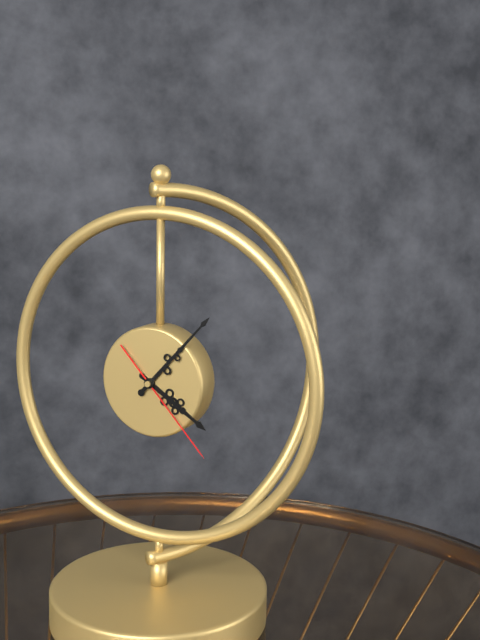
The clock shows 4:07:23
